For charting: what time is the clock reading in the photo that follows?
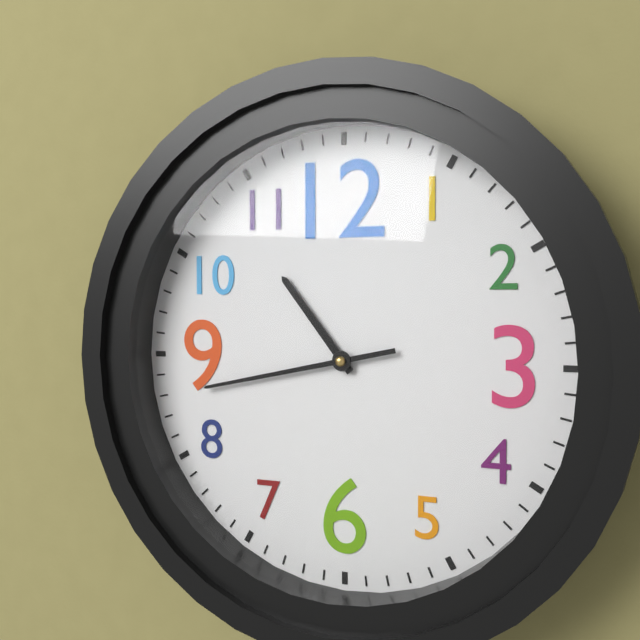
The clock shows 10:43
